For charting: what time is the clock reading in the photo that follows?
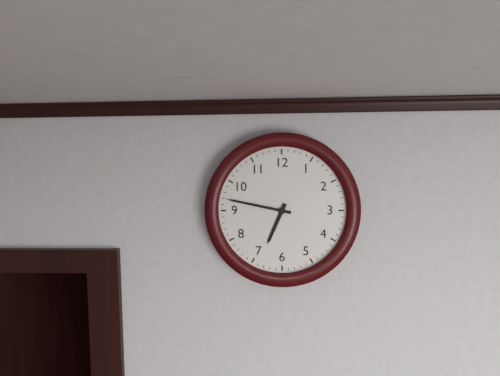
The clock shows 6:47
